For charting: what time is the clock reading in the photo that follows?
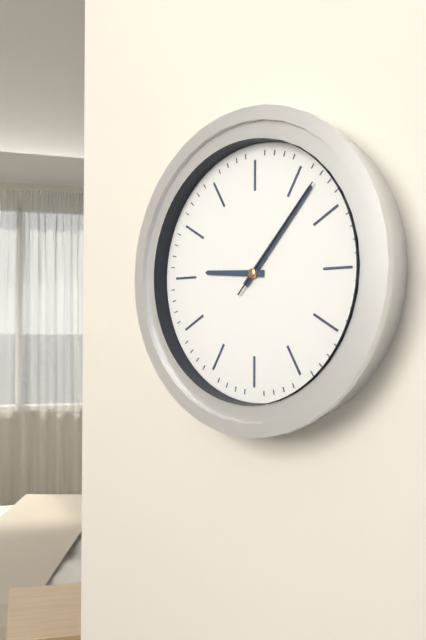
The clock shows 9:07:07
